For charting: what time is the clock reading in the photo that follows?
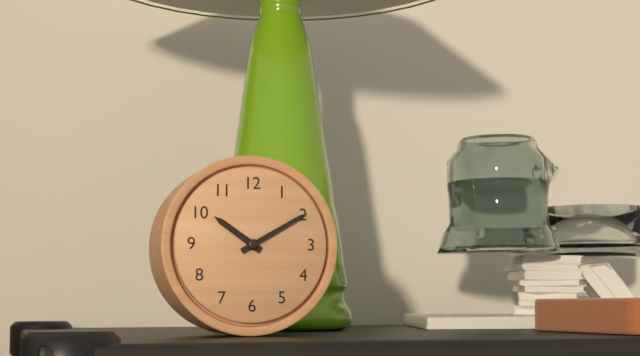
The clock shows 10:10
